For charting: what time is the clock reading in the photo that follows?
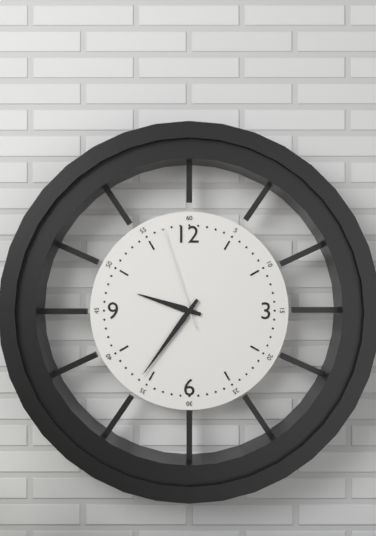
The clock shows 9:36:57
